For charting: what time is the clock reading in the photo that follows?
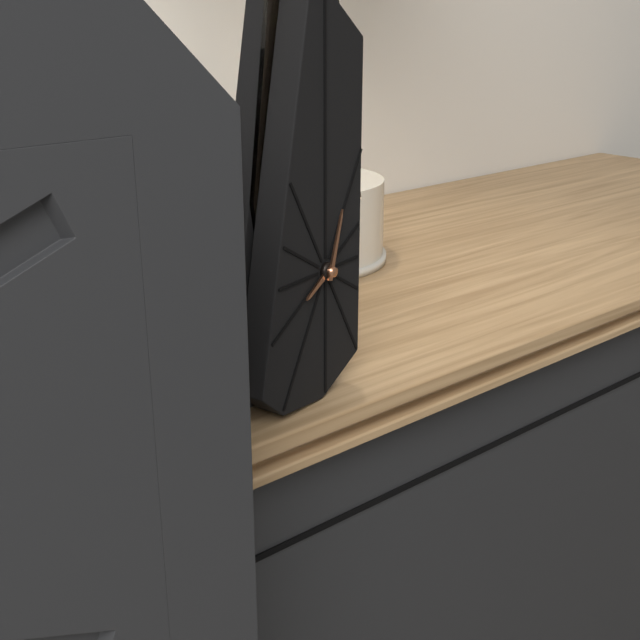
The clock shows 8:03
